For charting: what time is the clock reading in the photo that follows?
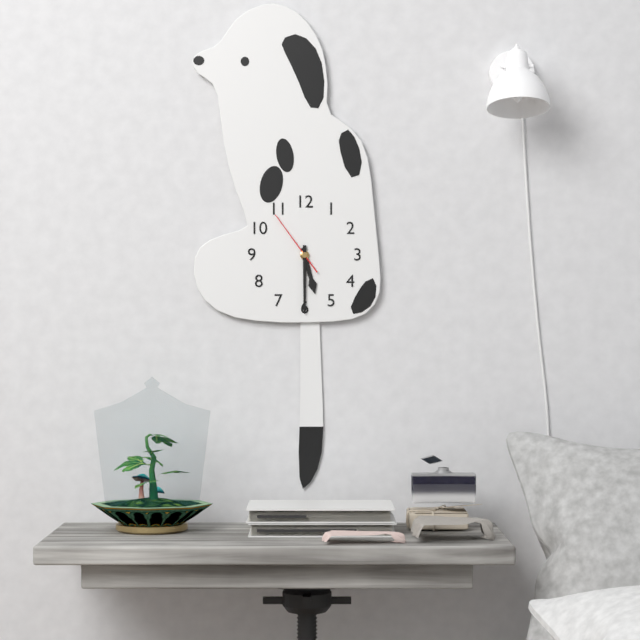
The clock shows 5:30:54
